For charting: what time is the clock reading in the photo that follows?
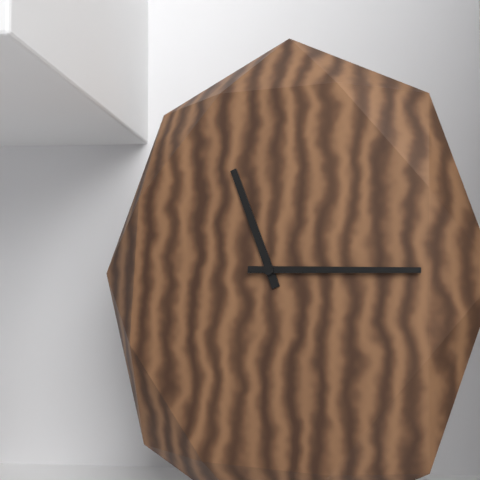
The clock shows 11:15
